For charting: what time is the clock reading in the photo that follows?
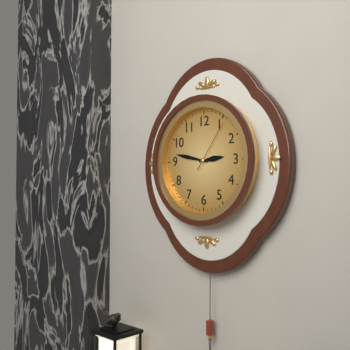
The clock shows 2:47:06
